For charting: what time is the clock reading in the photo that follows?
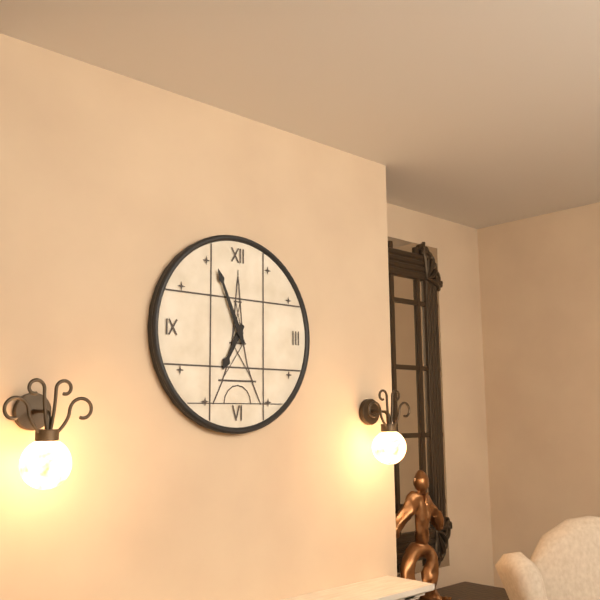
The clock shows 6:56
